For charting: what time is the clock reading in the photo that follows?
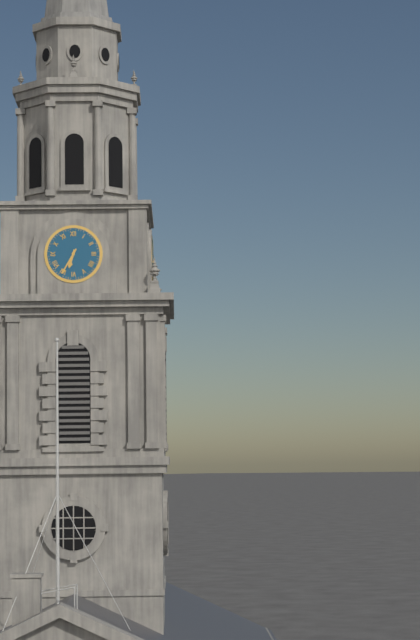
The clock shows 6:35
